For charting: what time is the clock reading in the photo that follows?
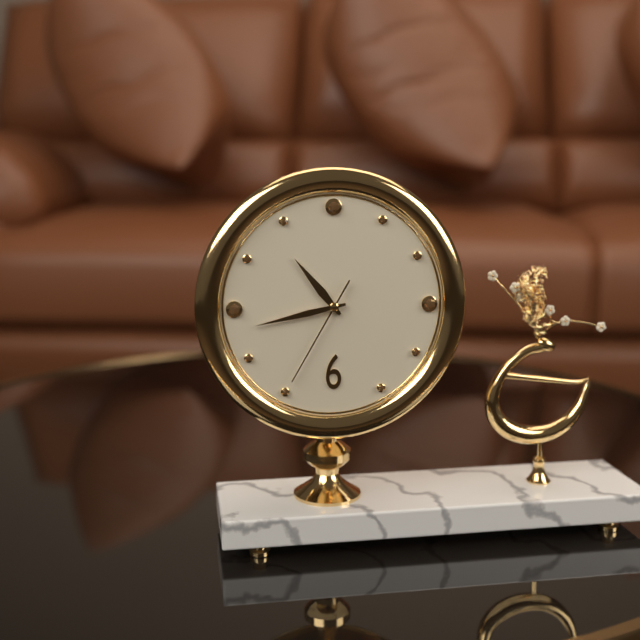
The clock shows 10:43:35
